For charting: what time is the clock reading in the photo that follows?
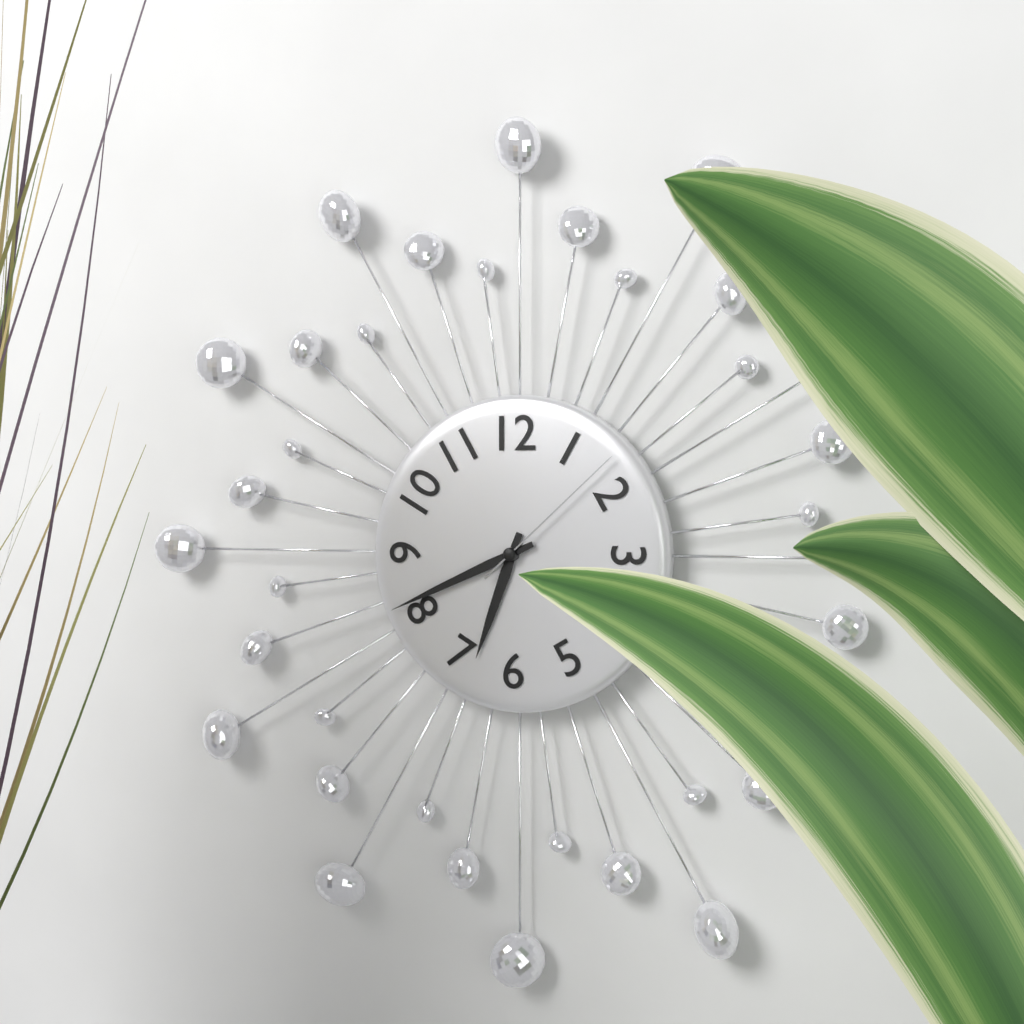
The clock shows 6:41:08
